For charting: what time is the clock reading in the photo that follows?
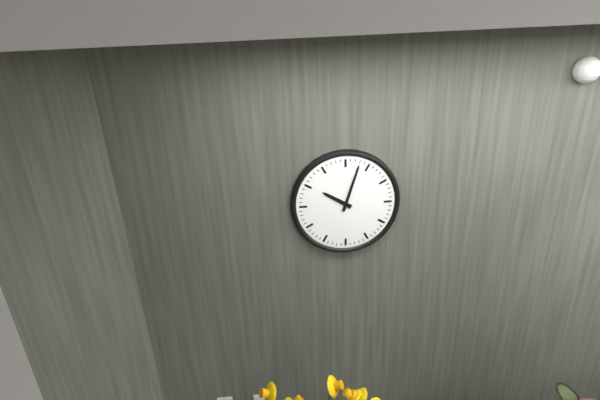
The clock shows 10:03
